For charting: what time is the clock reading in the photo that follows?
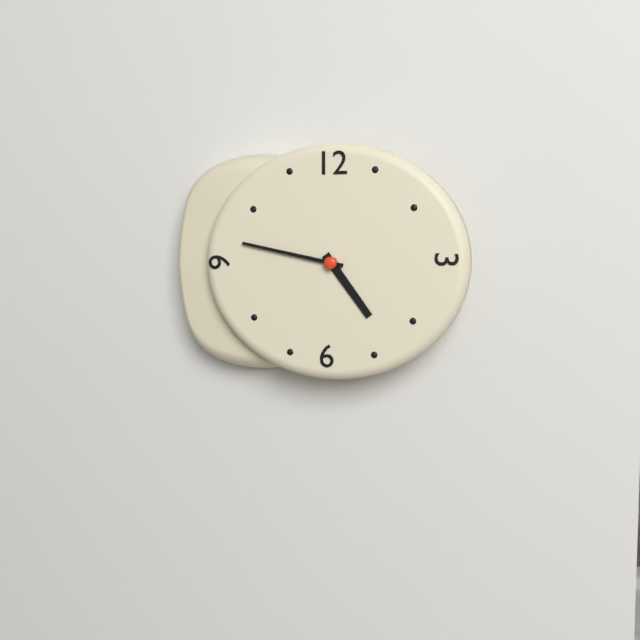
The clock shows 4:47
